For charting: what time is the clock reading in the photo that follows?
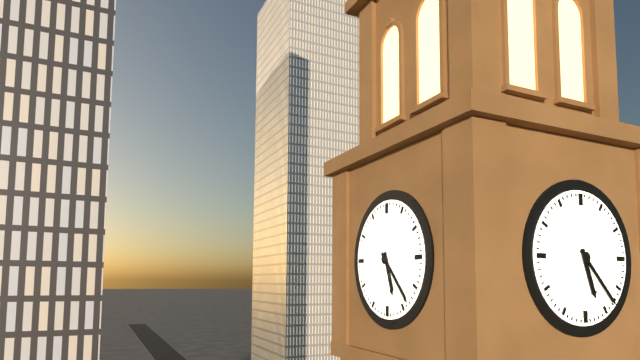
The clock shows 5:23
